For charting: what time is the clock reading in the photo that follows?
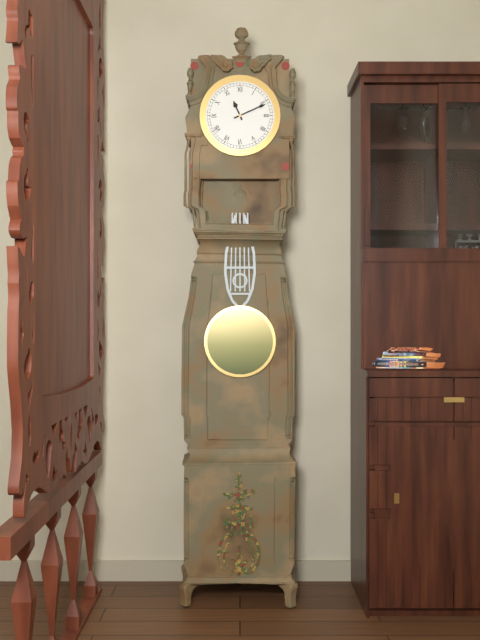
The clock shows 11:11
